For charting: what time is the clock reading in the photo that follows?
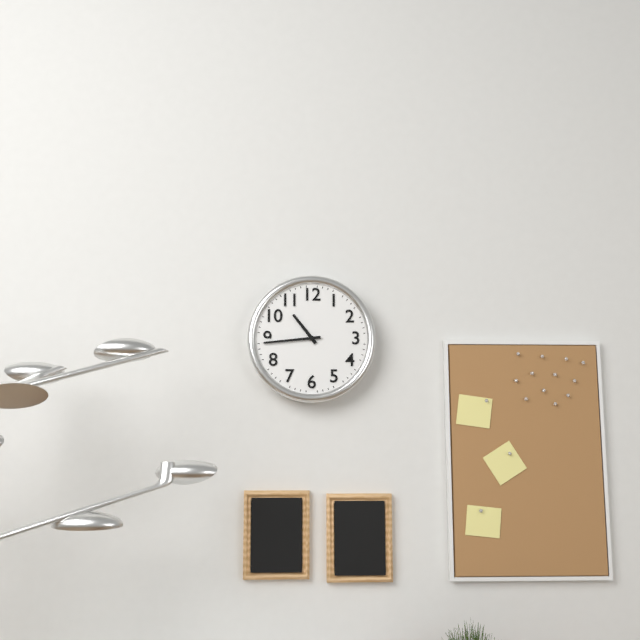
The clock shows 10:44
